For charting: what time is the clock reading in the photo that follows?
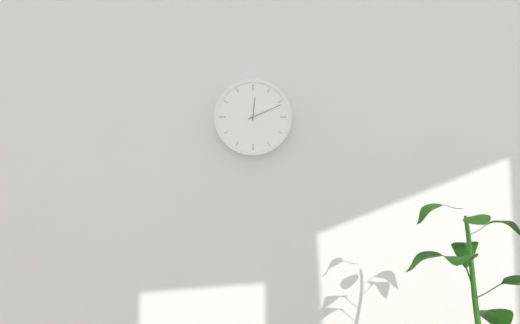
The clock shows 12:11
